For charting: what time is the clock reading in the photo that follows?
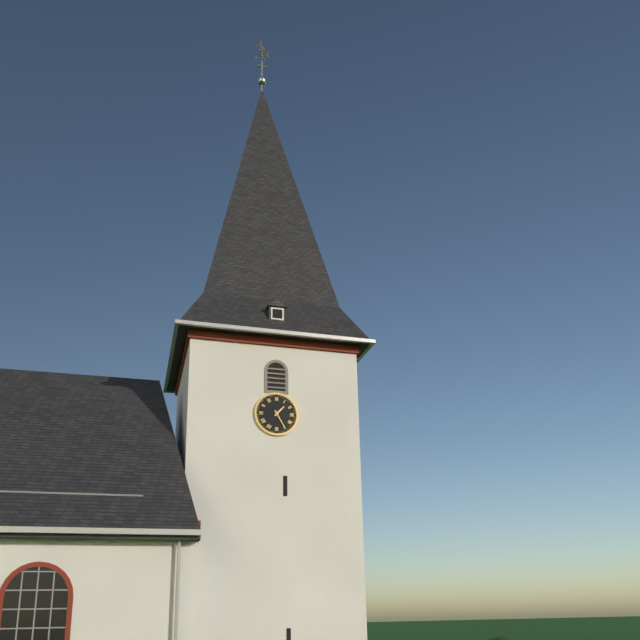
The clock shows 1:25
